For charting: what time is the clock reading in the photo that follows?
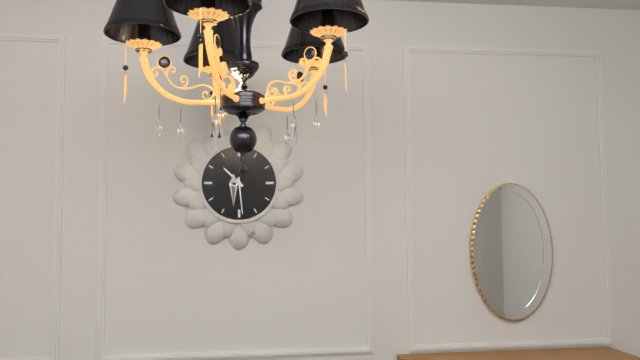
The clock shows 10:29
